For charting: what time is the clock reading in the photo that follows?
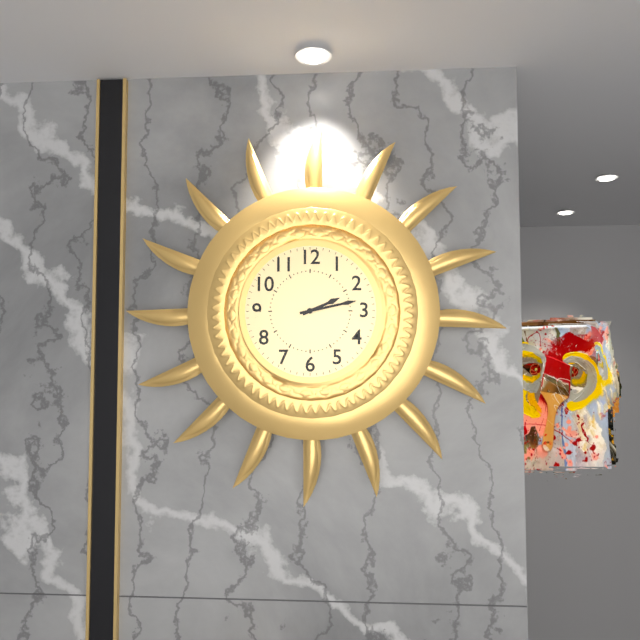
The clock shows 2:13
